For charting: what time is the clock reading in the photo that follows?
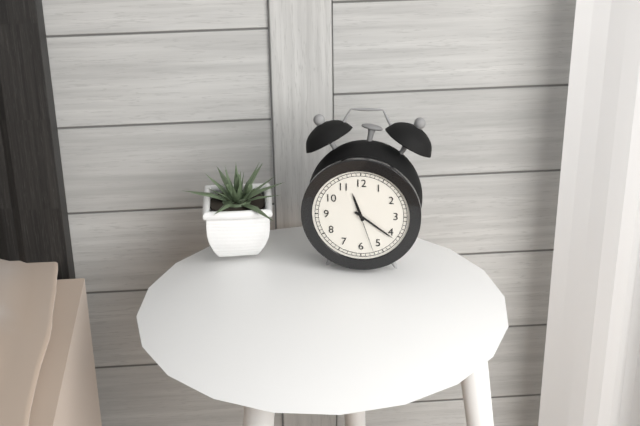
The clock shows 11:21
